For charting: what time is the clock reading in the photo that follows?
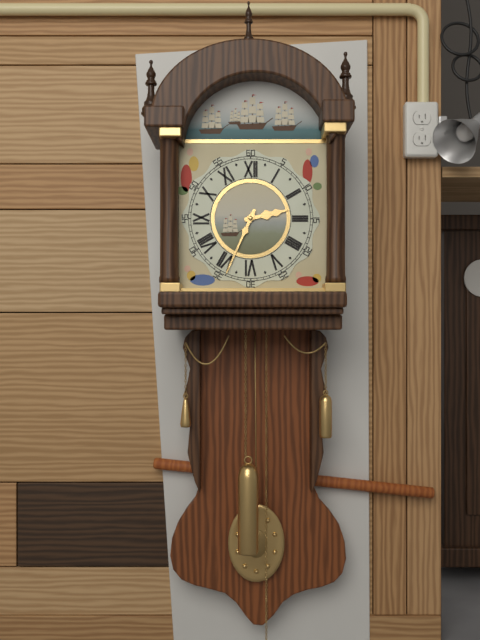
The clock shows 2:34
